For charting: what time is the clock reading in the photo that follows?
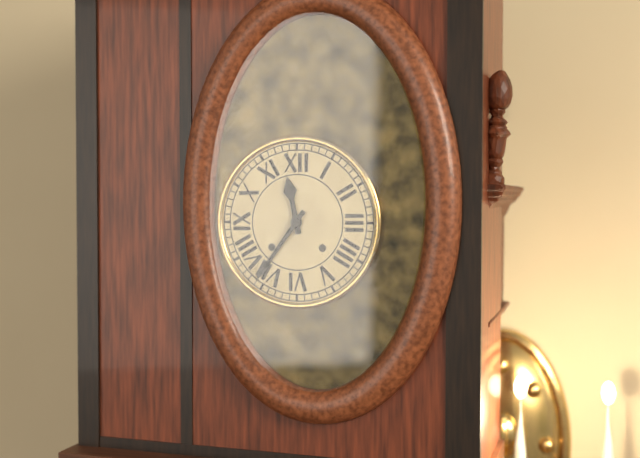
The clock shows 11:36
